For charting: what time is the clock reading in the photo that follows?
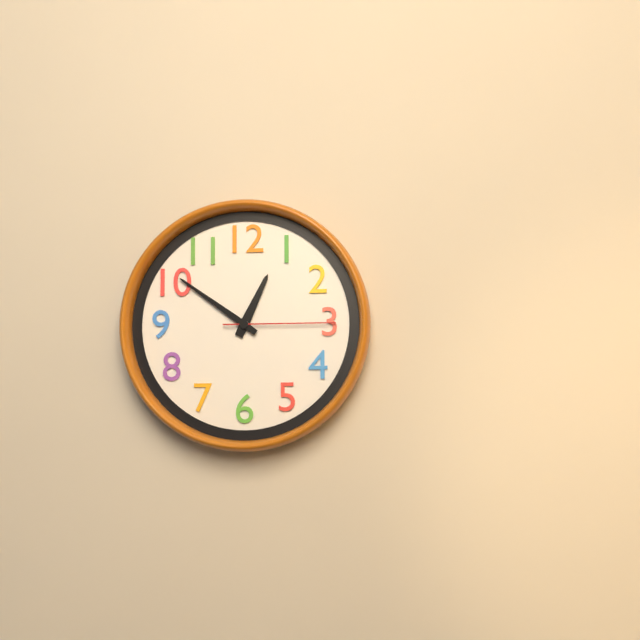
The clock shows 12:51:15
